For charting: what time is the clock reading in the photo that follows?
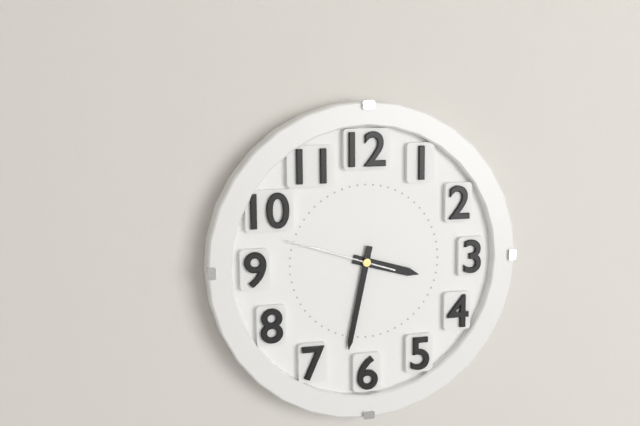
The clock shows 3:32:48
